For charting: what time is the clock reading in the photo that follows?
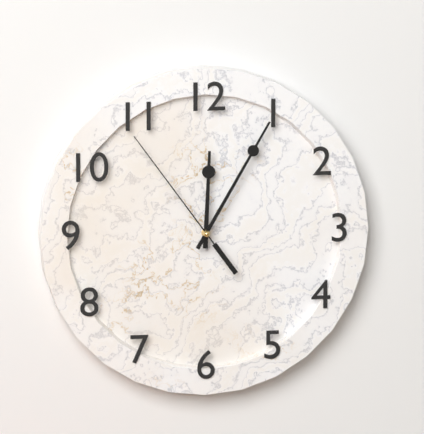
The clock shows 12:05:54
